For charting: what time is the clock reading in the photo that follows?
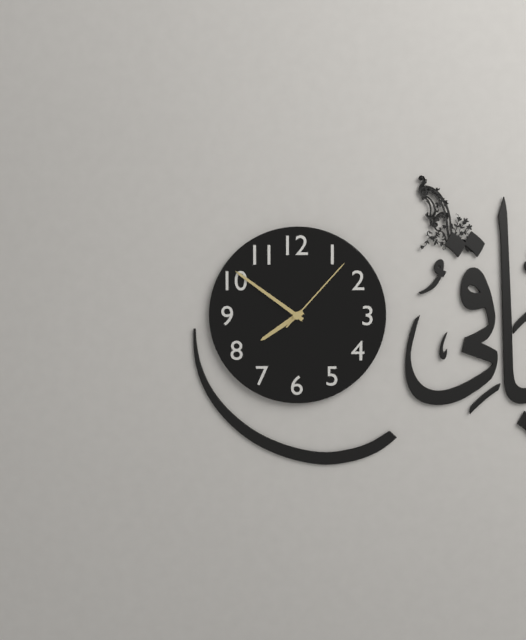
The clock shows 7:51:07
